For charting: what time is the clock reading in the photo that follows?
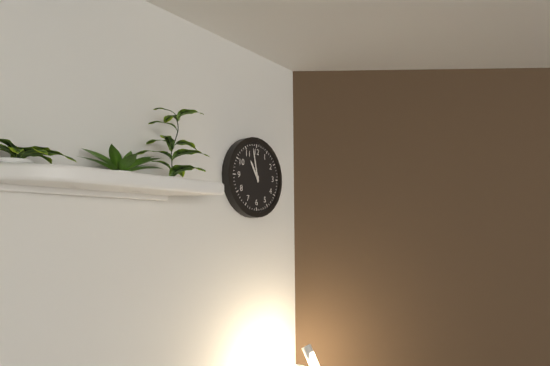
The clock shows 10:58
